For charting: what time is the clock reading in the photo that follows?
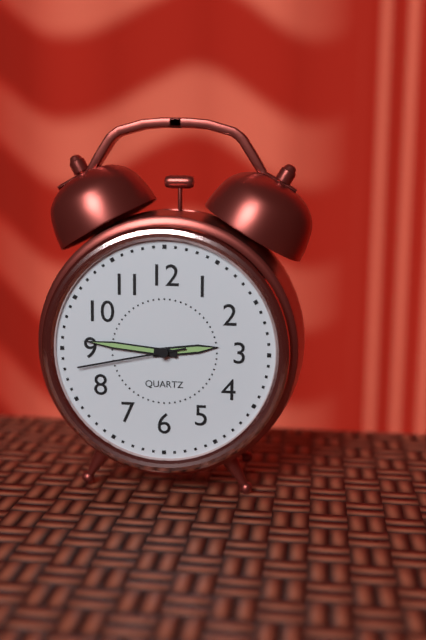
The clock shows 2:46:43
